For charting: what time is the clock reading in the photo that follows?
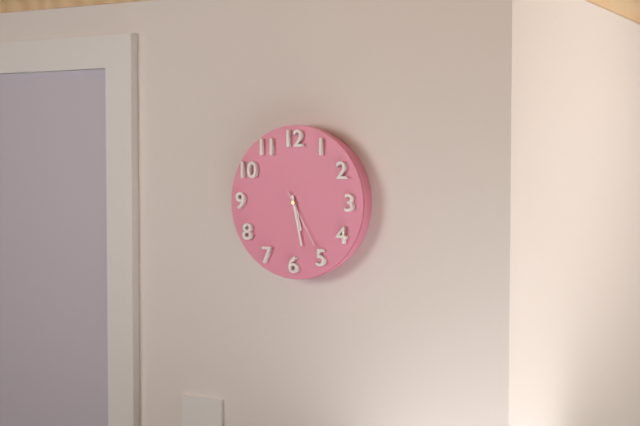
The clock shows 5:28:25
